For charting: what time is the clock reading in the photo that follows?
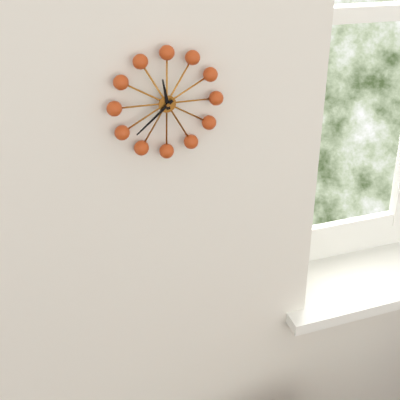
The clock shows 11:38
